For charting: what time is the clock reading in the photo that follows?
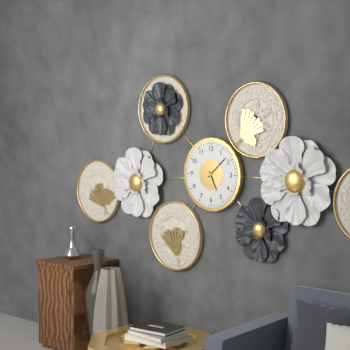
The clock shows 5:08
